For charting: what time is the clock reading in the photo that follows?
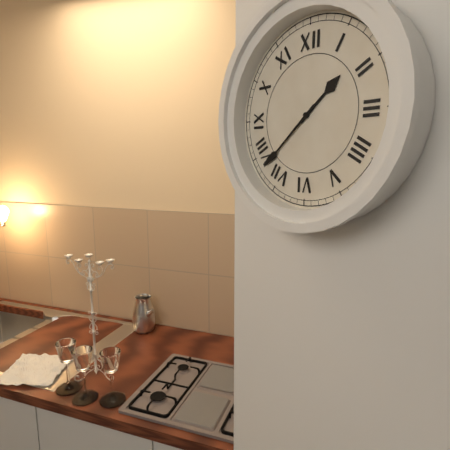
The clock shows 1:38
